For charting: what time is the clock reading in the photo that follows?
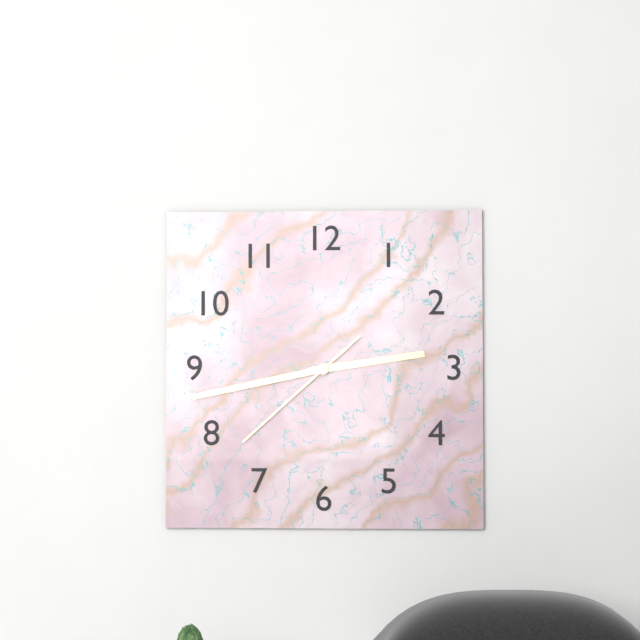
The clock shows 2:43:38
